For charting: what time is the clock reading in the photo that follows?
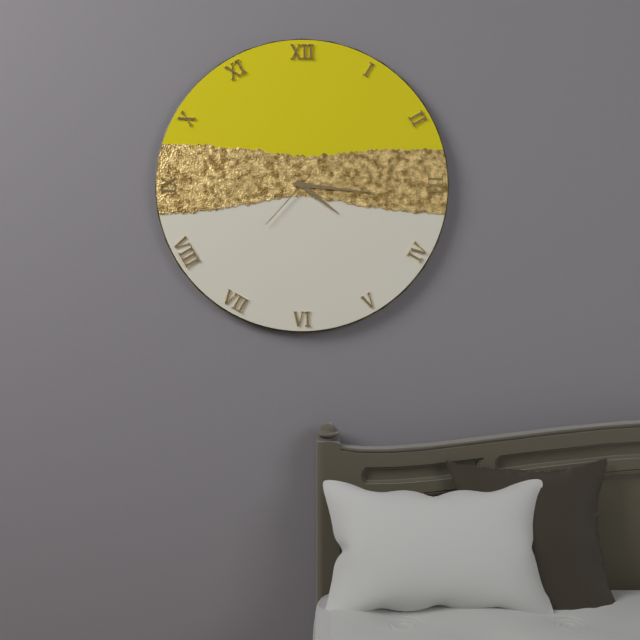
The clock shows 4:16:37
